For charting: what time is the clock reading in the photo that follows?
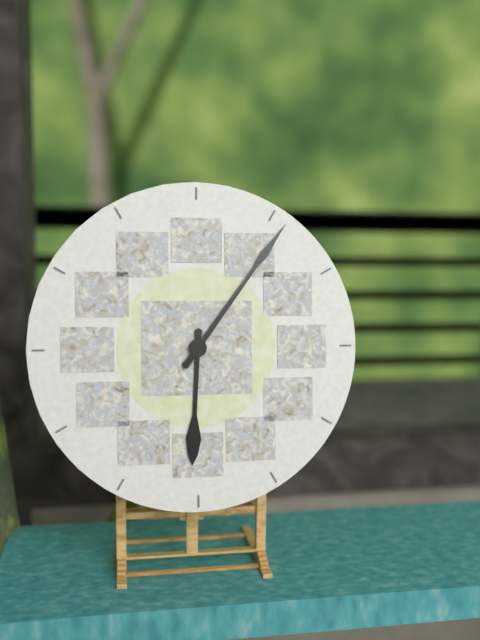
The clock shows 6:06
